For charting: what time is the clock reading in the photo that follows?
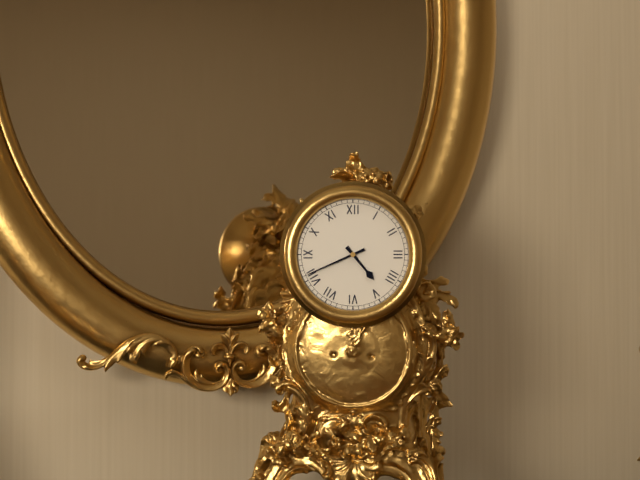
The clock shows 4:41
